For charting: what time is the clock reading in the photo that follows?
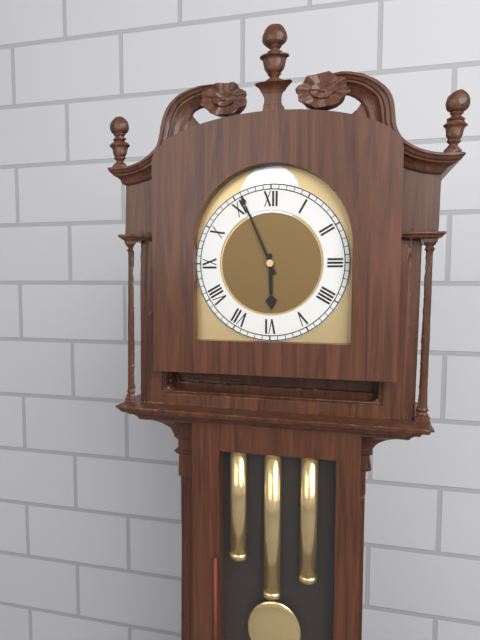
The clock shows 5:56
